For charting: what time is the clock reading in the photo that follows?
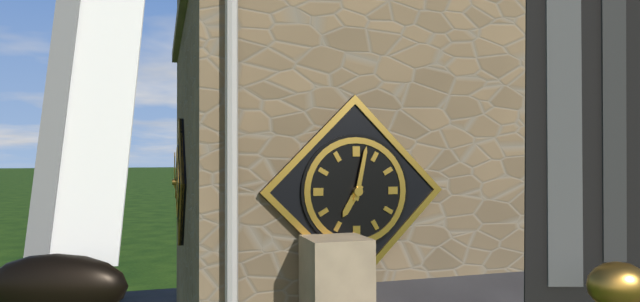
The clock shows 7:02
